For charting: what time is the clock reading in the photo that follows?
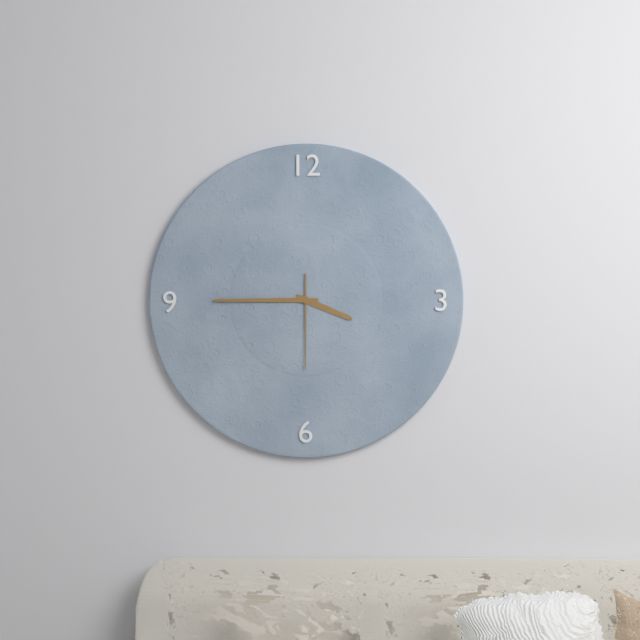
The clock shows 3:45:30
